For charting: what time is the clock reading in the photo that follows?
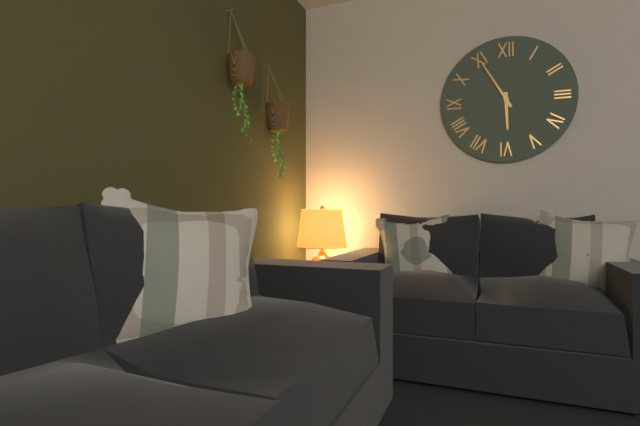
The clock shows 5:55
